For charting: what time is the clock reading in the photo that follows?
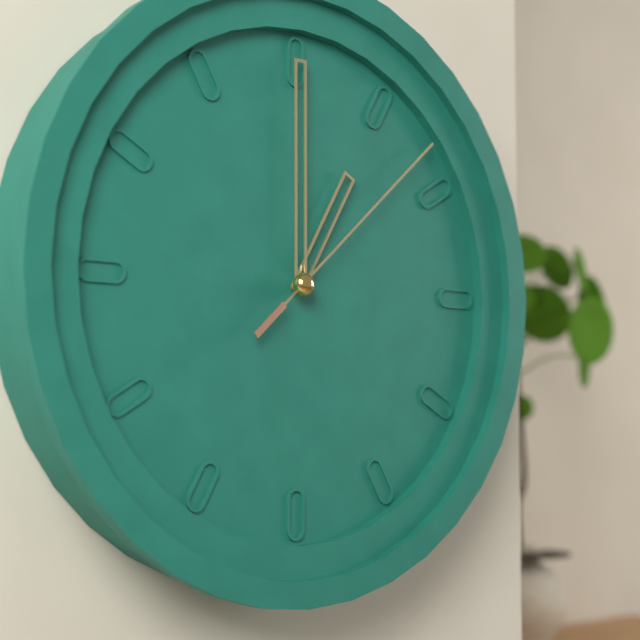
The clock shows 1:00:08
